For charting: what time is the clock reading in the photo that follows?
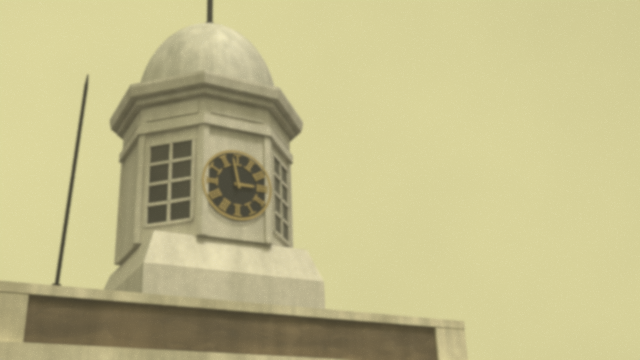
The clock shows 2:58
